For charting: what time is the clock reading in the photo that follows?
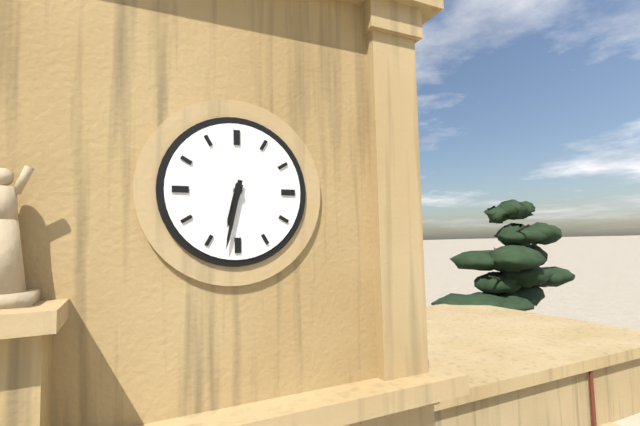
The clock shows 6:32
